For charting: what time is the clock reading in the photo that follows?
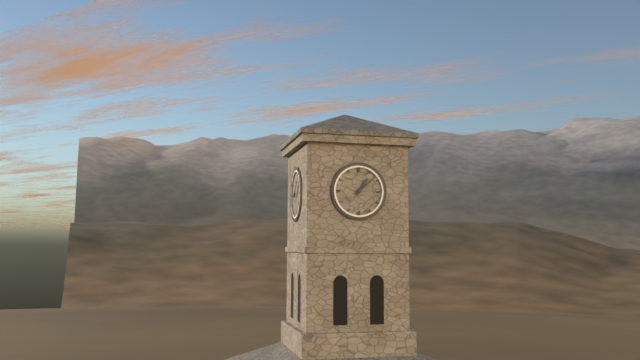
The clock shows 1:08
